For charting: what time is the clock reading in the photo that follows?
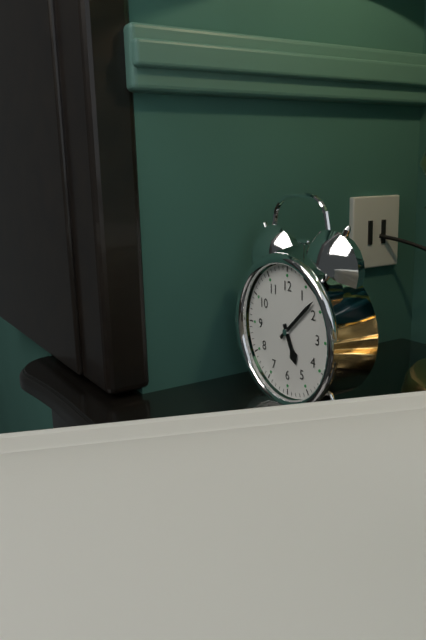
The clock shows 5:08
